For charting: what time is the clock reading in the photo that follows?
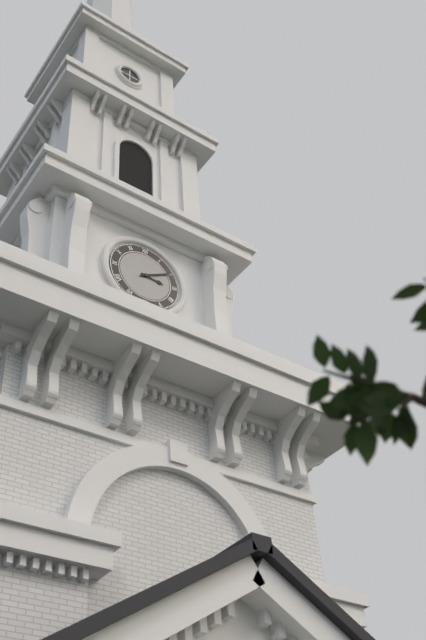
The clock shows 3:10
